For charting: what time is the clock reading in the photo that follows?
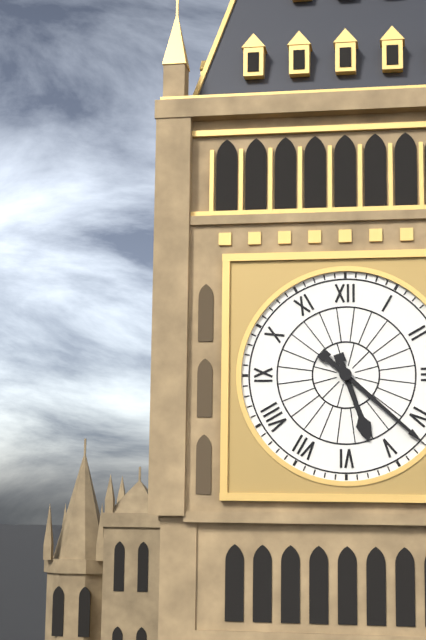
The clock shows 5:22
